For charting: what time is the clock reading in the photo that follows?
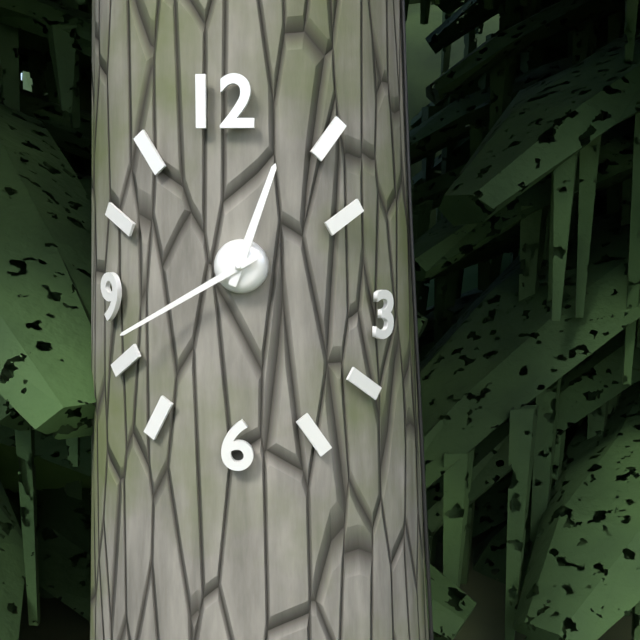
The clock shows 12:40
